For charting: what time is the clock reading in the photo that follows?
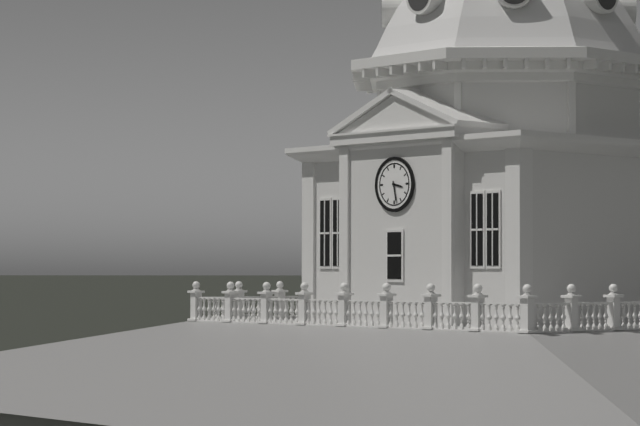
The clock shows 3:28
